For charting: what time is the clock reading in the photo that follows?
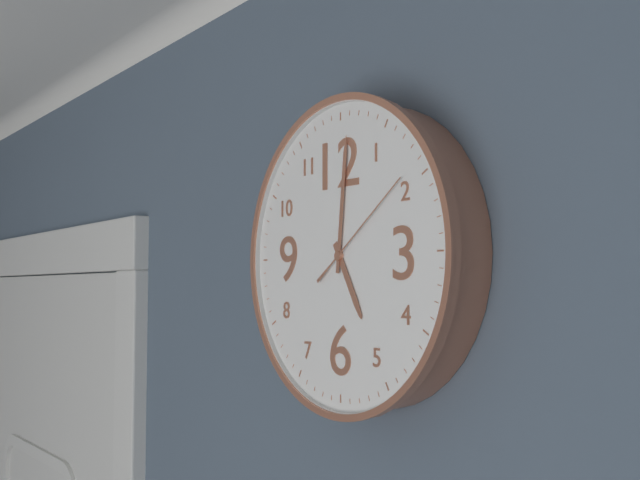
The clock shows 5:01:09
